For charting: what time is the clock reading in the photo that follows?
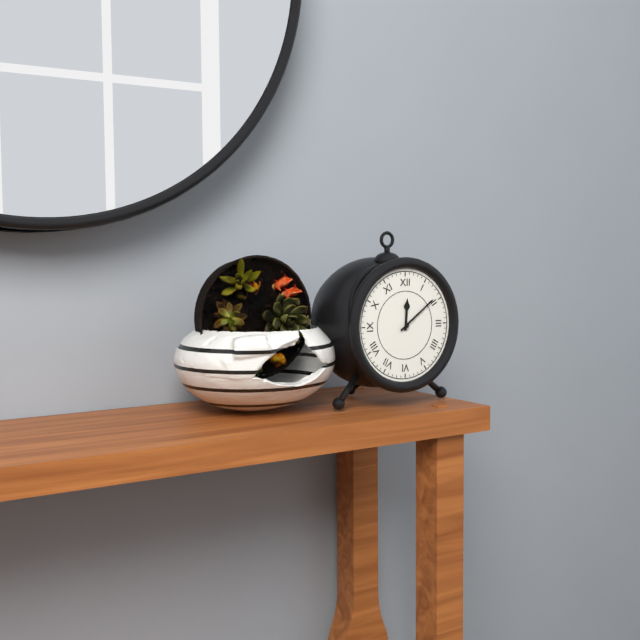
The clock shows 12:09
